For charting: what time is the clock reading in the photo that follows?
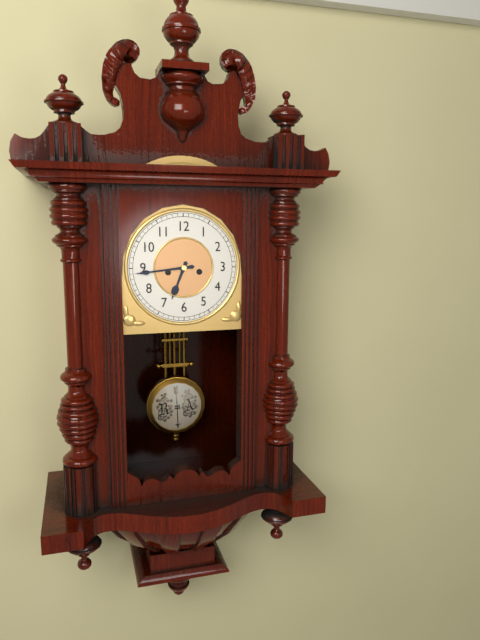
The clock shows 6:44
